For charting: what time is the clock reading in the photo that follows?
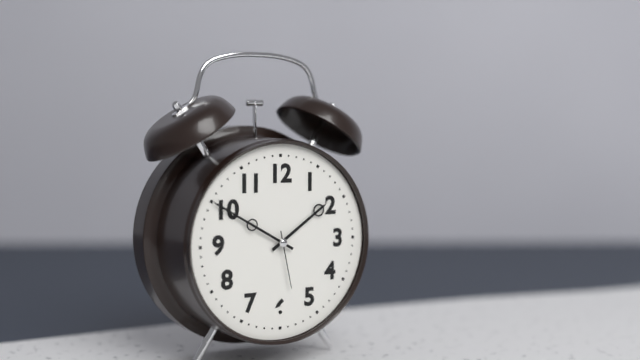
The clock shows 1:50:28
